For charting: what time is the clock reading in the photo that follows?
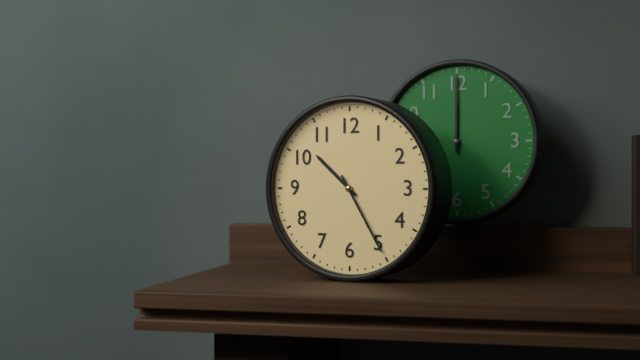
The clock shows 10:25
